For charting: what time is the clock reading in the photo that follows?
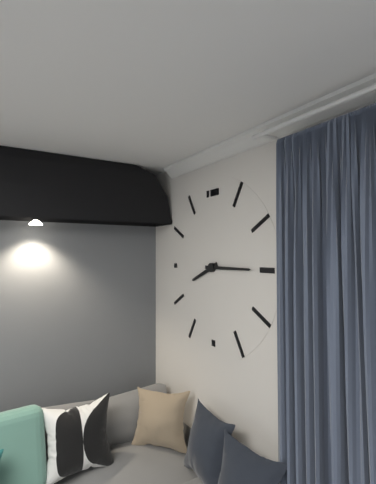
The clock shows 8:15
